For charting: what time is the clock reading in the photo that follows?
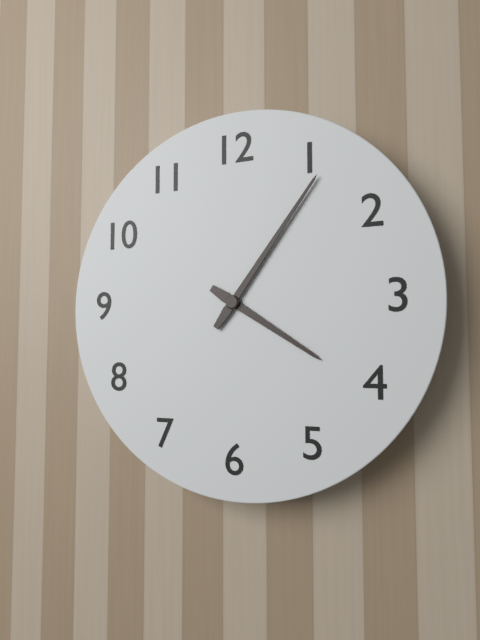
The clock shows 4:06
